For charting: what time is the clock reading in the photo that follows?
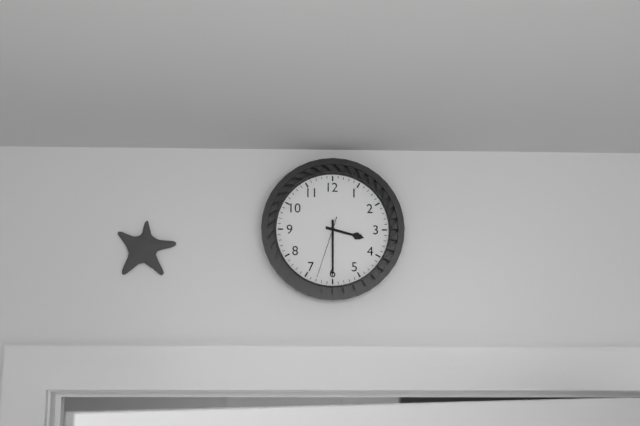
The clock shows 3:30:33
